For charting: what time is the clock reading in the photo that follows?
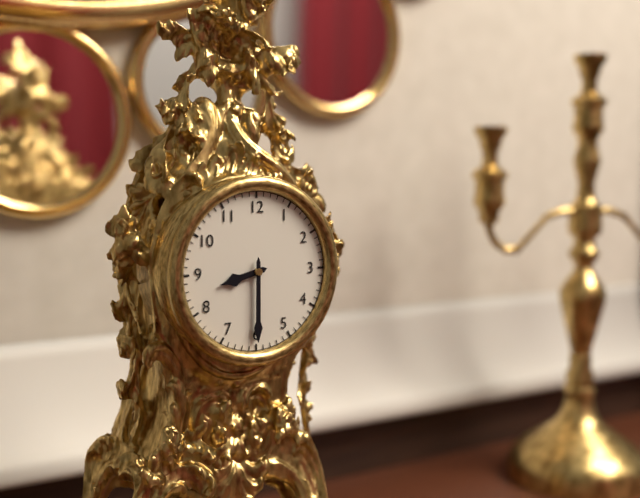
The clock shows 8:30
